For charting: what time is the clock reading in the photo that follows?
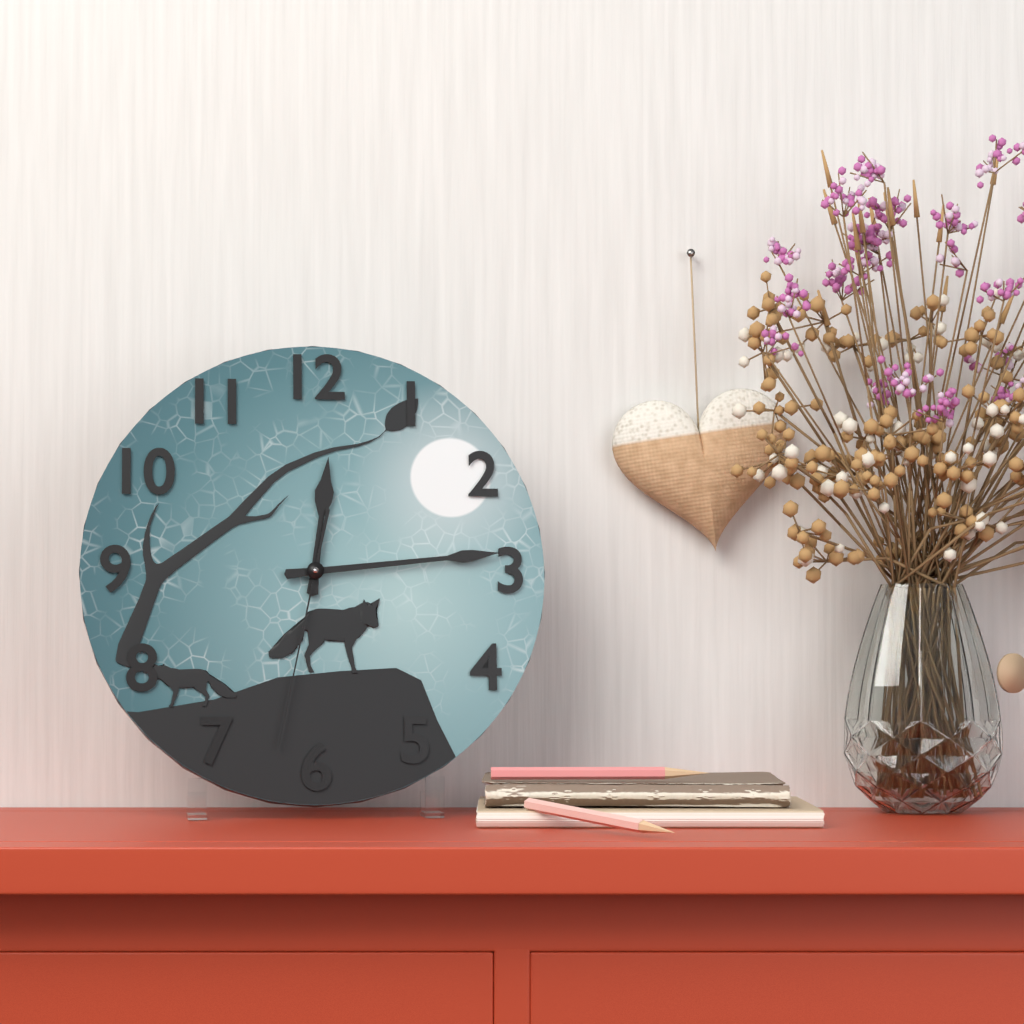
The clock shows 12:14:32
